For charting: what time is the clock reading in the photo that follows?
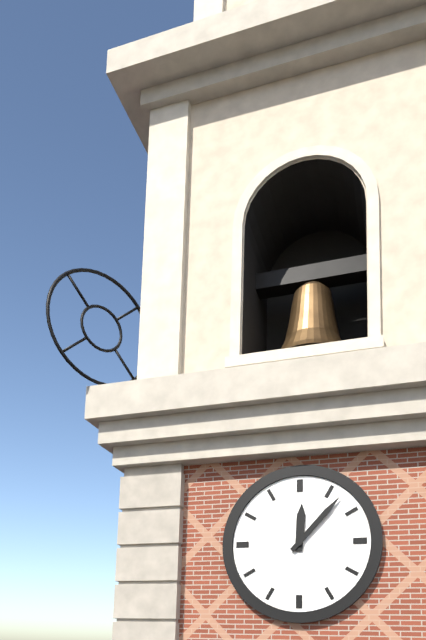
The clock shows 12:07
